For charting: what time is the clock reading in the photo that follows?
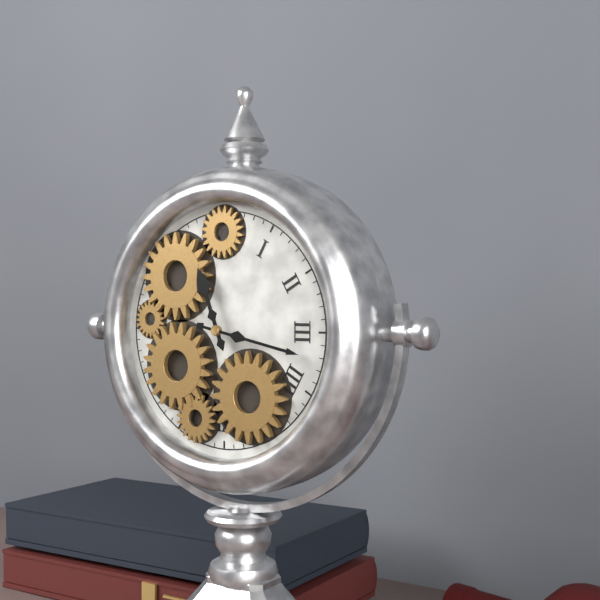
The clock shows 11:17
